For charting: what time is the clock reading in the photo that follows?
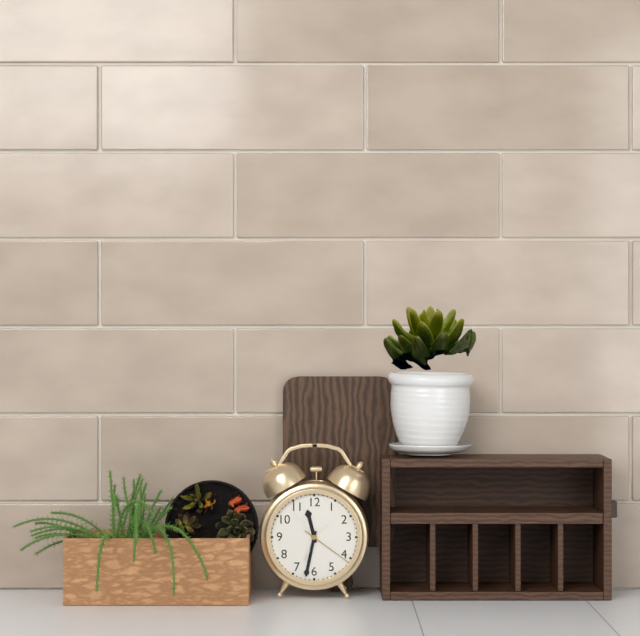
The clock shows 11:32:21
